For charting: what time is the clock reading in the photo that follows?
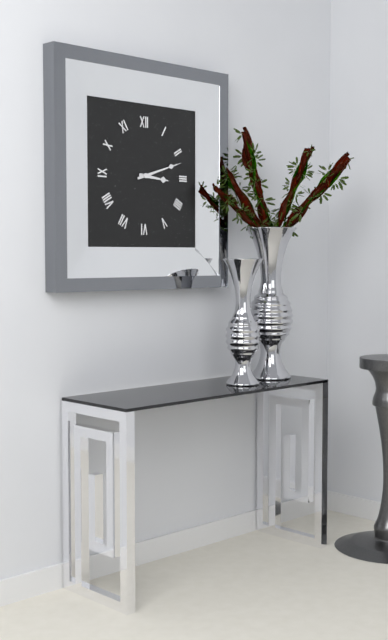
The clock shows 3:12
